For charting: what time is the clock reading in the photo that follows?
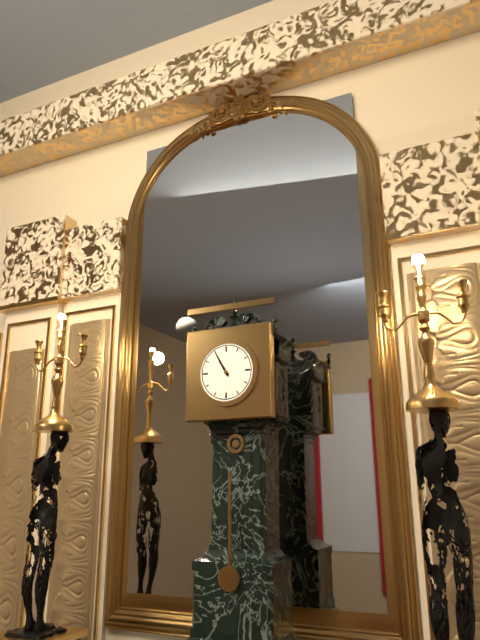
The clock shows 10:55
